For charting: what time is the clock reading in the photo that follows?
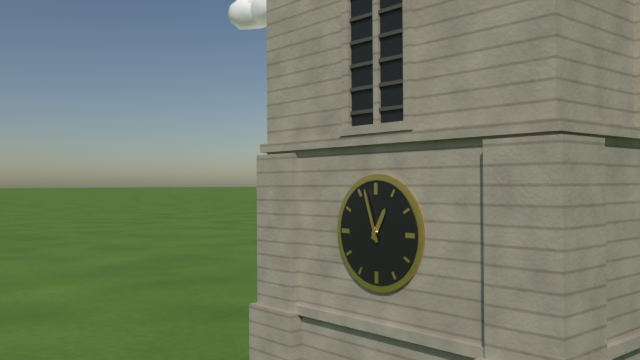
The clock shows 12:57
